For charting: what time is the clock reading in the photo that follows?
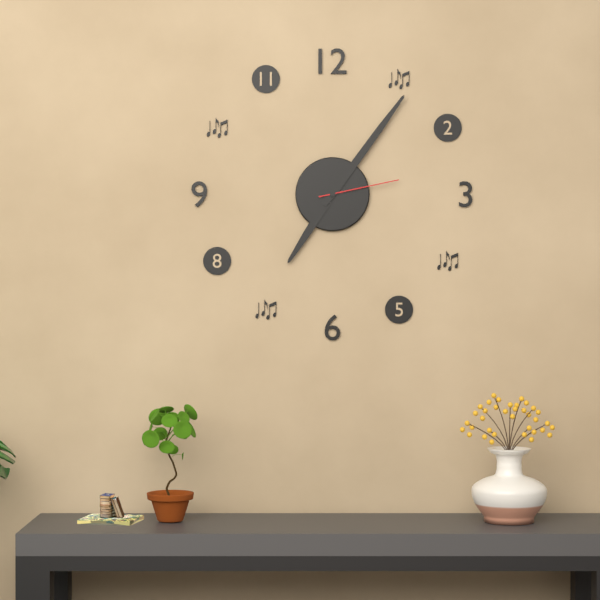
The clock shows 7:06:13
